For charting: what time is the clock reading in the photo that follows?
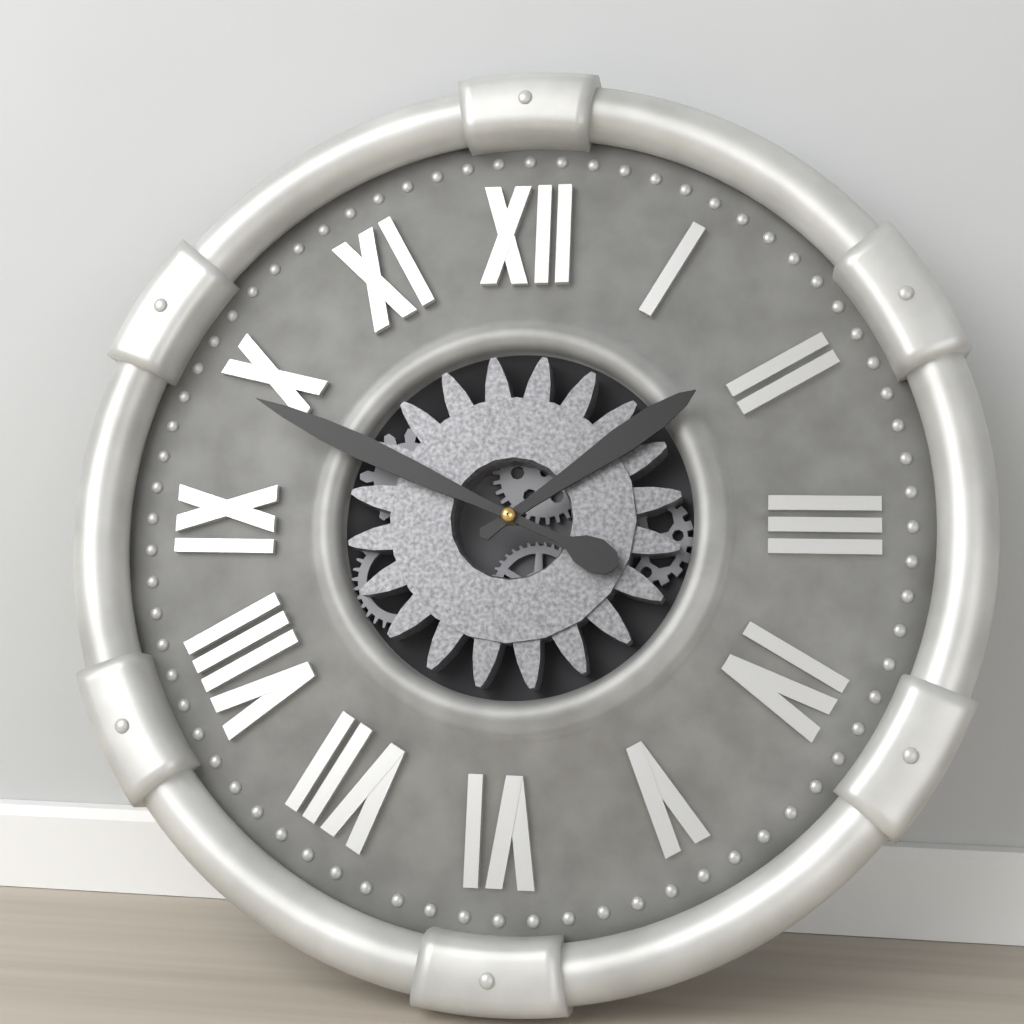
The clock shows 1:49
